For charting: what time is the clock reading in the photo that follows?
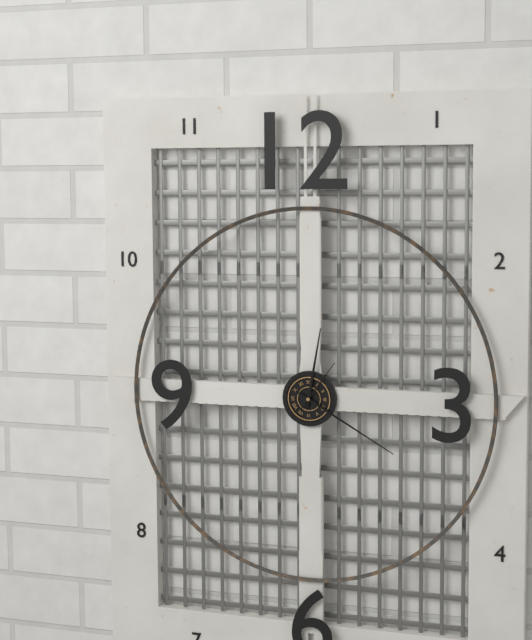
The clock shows 12:20
